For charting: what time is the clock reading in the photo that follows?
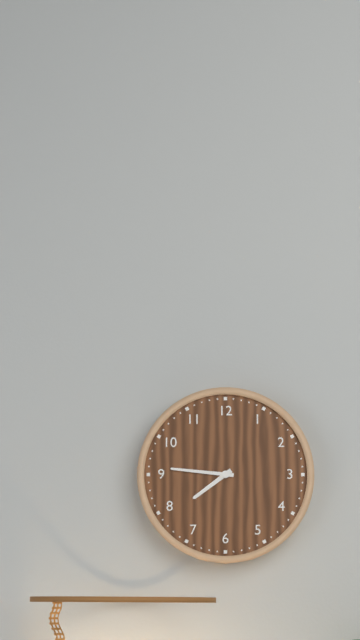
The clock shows 7:46
